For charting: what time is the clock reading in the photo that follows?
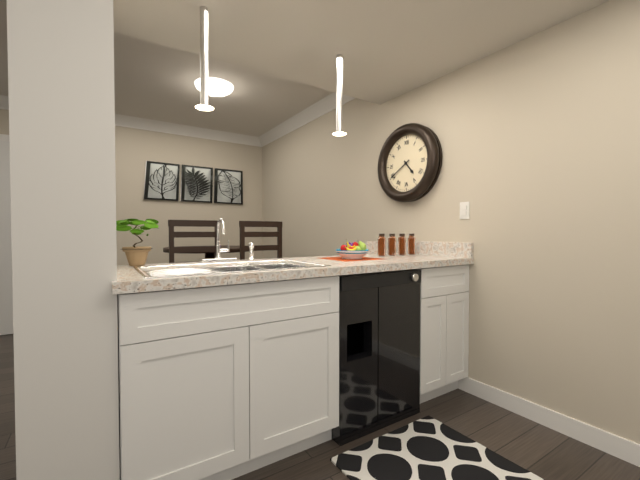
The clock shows 4:40
